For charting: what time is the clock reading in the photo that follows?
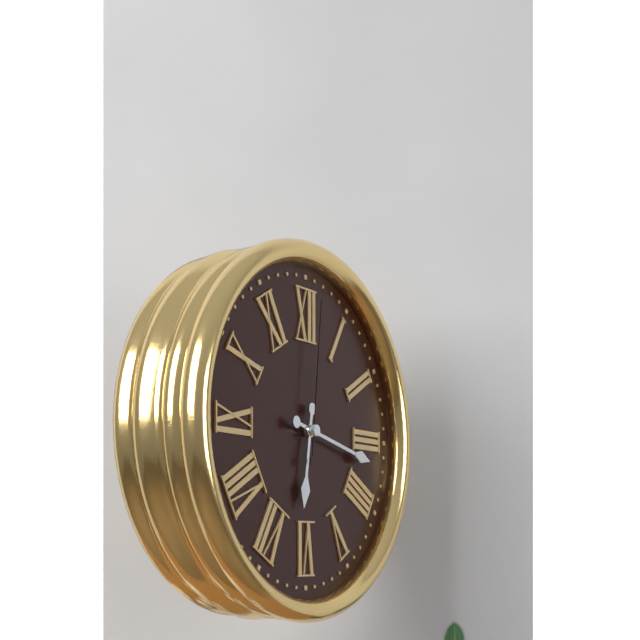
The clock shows 6:17:01
